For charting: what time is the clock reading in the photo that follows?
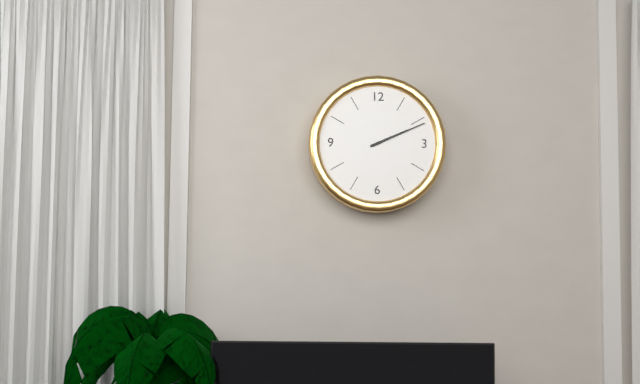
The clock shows 2:11
